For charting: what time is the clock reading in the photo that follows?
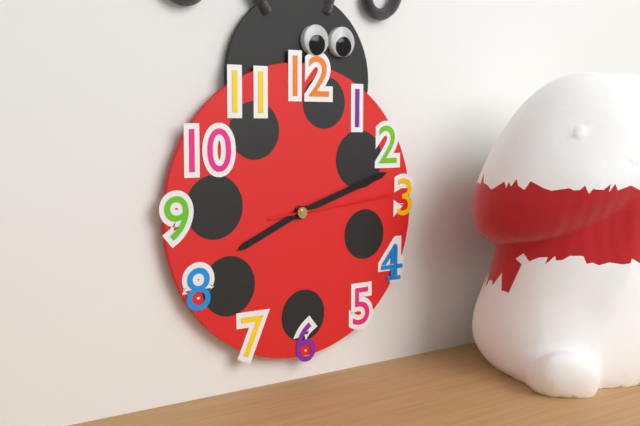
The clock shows 8:12:14
